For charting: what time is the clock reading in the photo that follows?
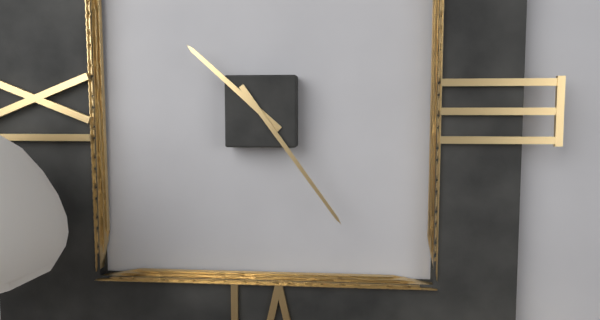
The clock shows 10:24
